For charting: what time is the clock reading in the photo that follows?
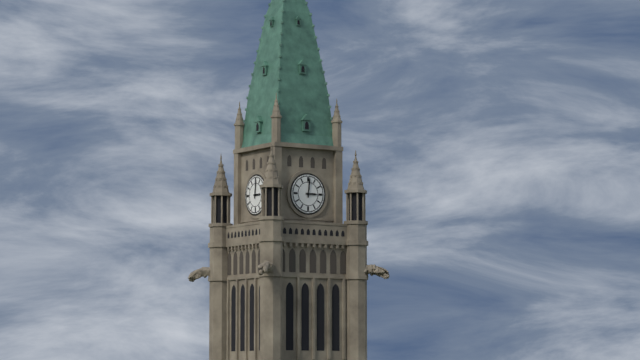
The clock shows 3:01
